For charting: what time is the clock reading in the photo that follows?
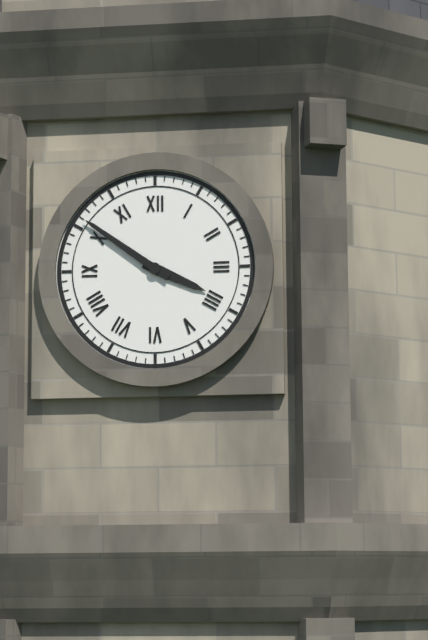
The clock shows 3:51
